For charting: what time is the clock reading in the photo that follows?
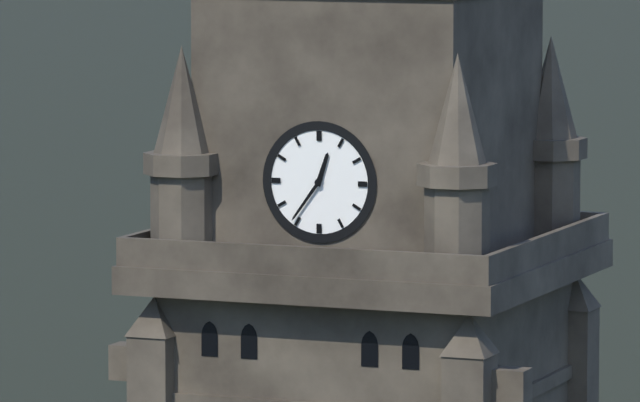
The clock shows 12:36
